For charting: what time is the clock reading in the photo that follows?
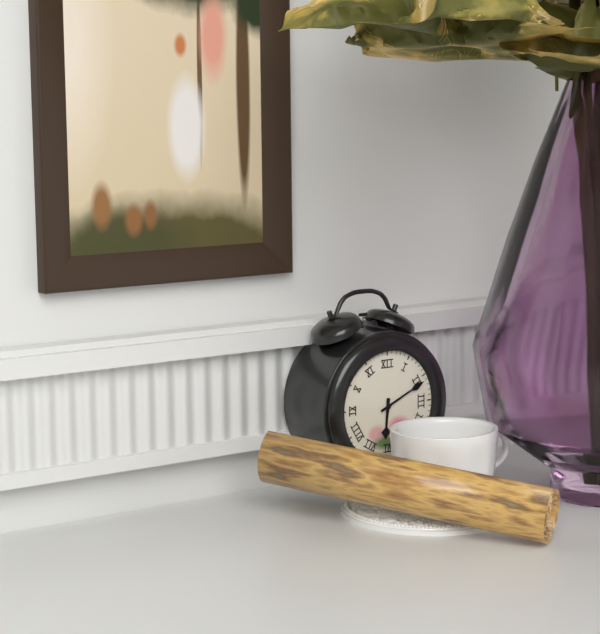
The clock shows 6:11
